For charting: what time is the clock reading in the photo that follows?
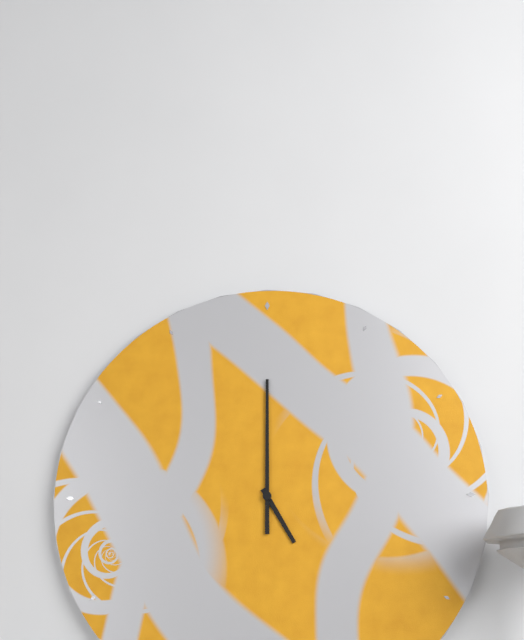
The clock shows 5:00
